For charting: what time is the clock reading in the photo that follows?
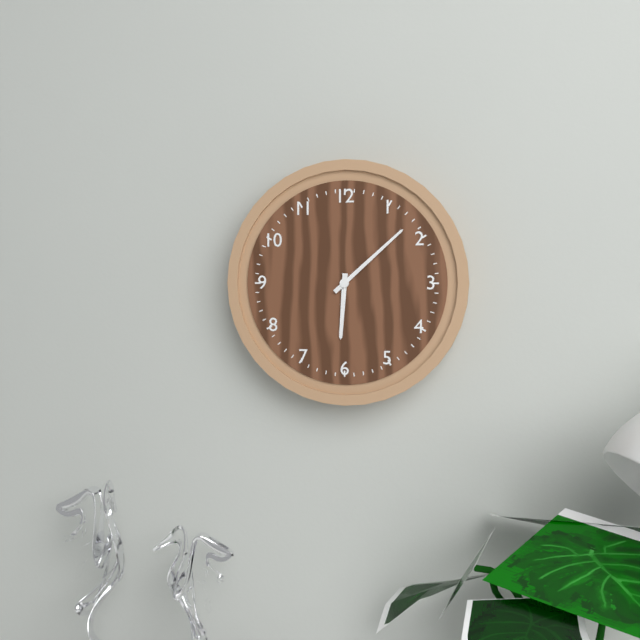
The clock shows 6:08
